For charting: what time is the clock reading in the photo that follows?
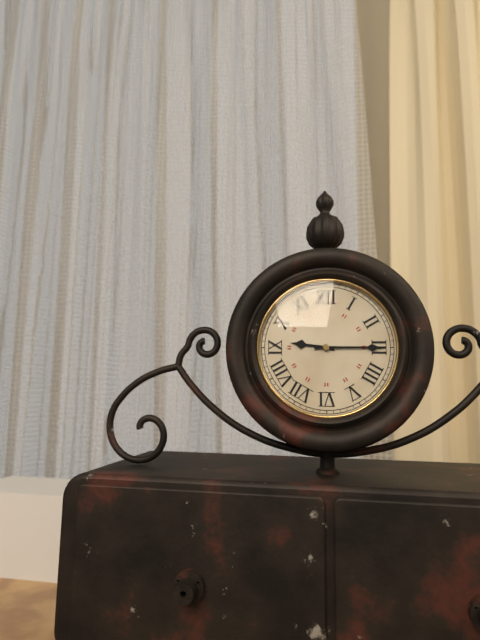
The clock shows 9:15
